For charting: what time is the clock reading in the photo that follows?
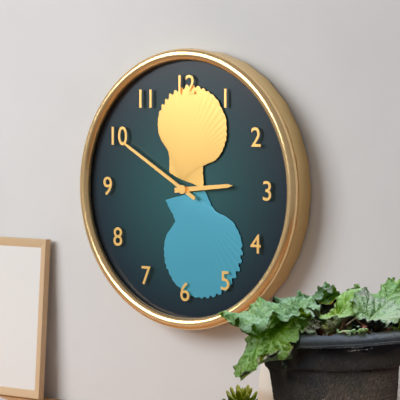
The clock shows 2:50
